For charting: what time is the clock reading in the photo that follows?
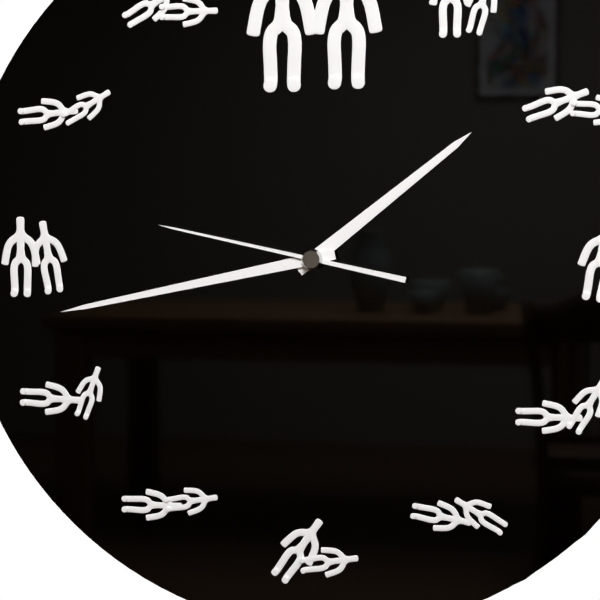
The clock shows 1:43:47
